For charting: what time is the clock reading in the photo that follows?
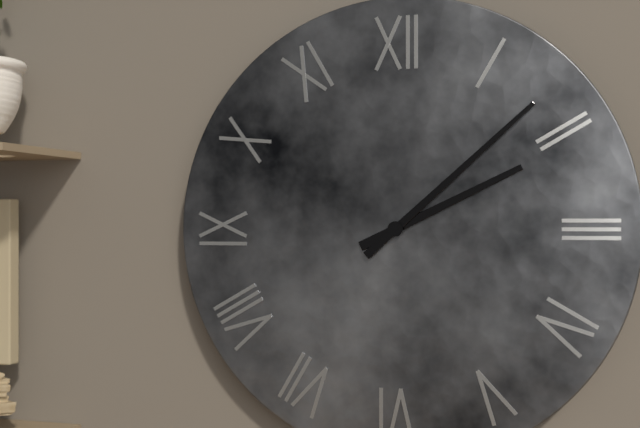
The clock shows 2:08
